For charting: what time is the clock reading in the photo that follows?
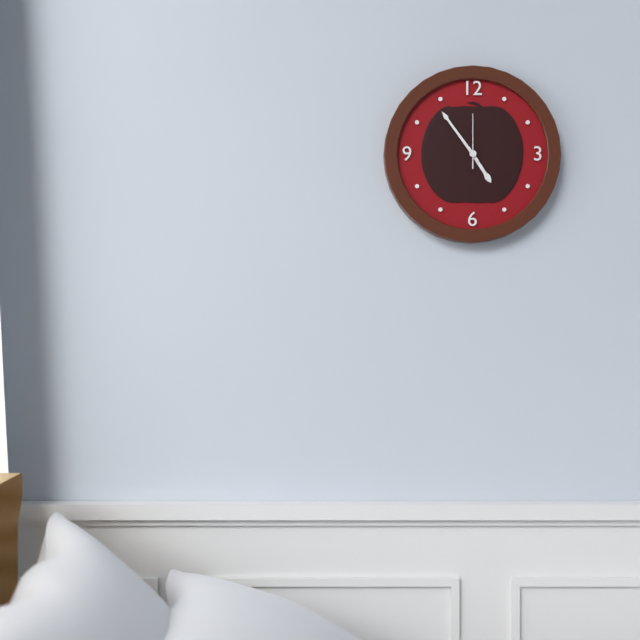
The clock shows 4:54:00
